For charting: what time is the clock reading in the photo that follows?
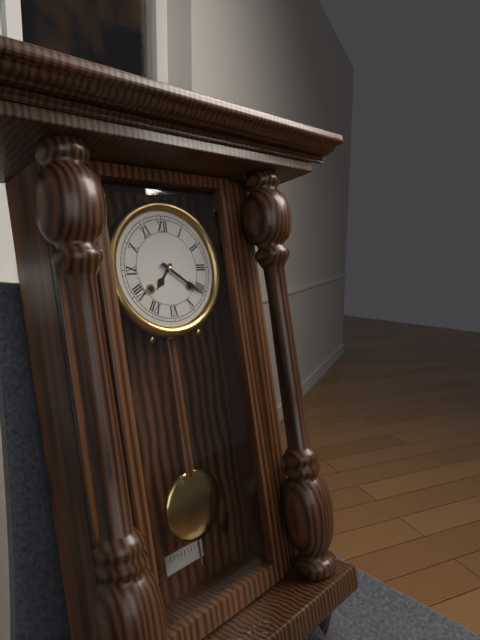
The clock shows 7:21
